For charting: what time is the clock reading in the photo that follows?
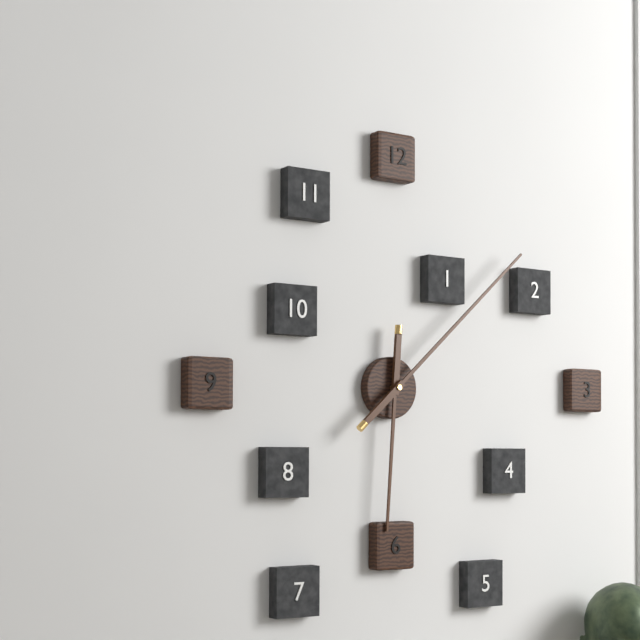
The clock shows 6:08
